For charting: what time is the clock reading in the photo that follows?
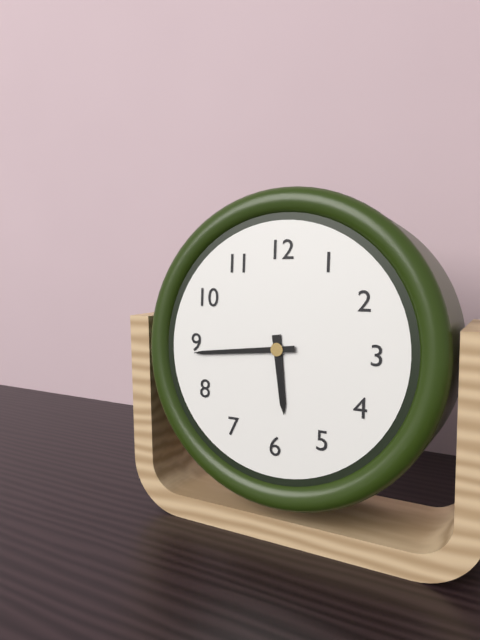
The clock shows 5:44
